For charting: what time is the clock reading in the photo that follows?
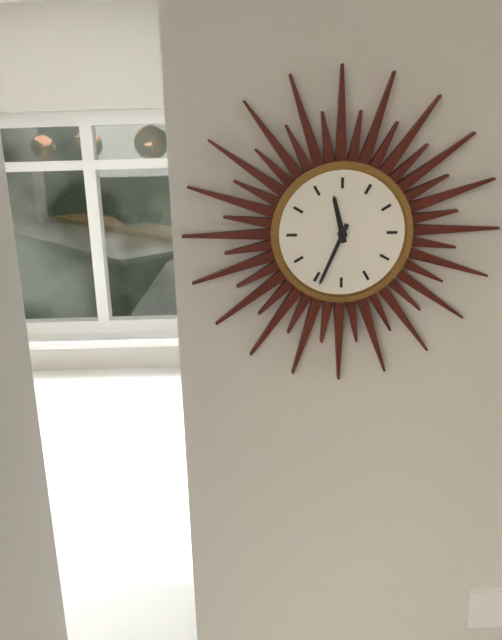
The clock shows 11:34
